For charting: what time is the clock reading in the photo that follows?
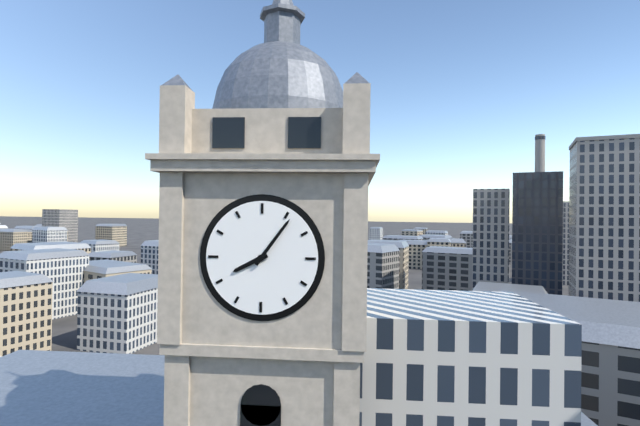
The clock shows 8:06
